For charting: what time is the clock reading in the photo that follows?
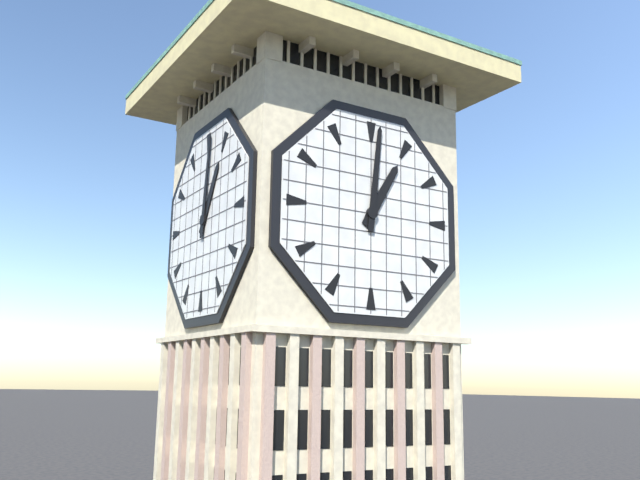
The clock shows 1:01
